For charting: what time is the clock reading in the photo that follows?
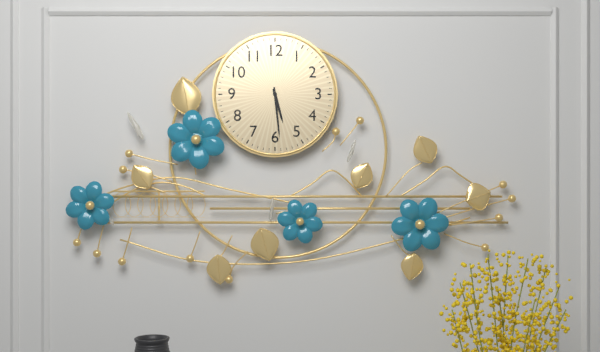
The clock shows 5:29
